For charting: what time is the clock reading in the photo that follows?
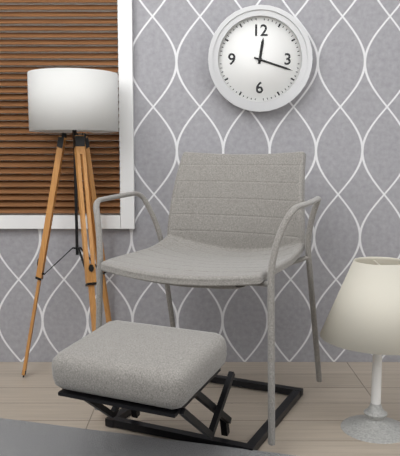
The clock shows 12:18
